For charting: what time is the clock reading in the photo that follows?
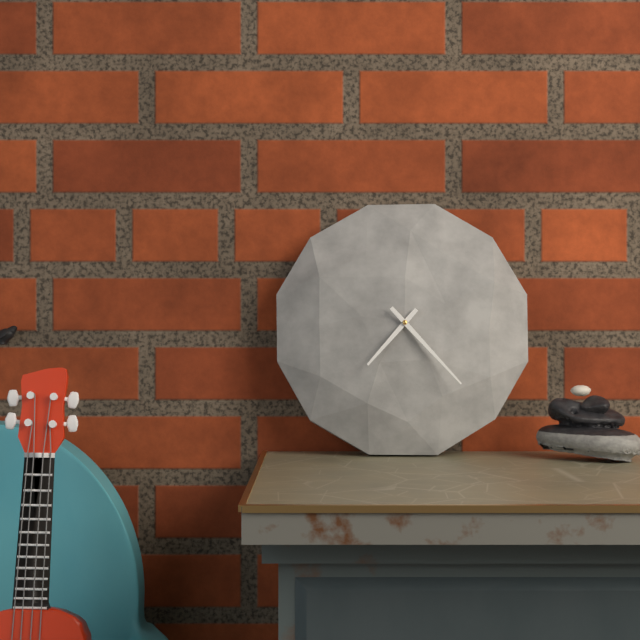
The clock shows 7:23
